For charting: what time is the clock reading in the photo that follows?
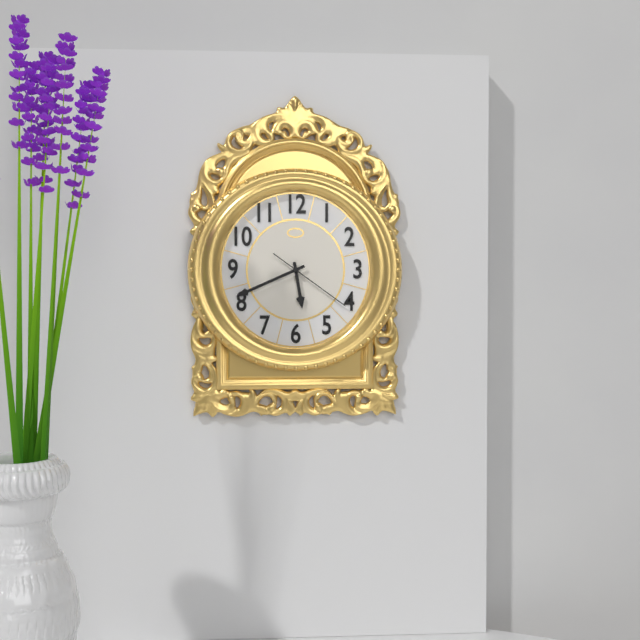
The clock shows 5:41:21
